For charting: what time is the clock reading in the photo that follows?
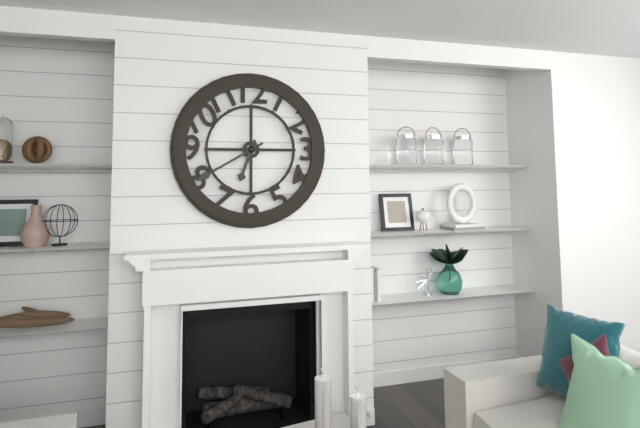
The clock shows 6:40
